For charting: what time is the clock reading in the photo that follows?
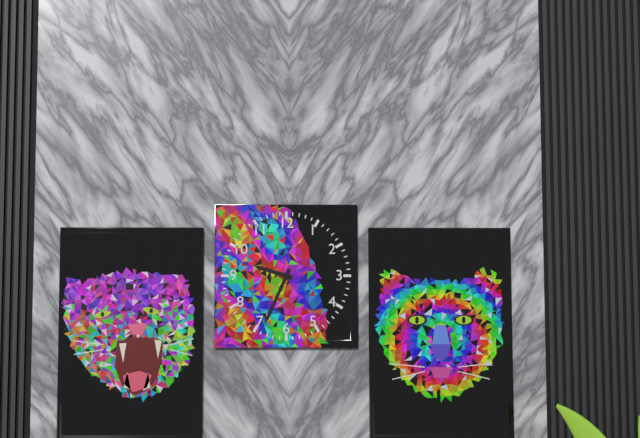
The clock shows 9:34
